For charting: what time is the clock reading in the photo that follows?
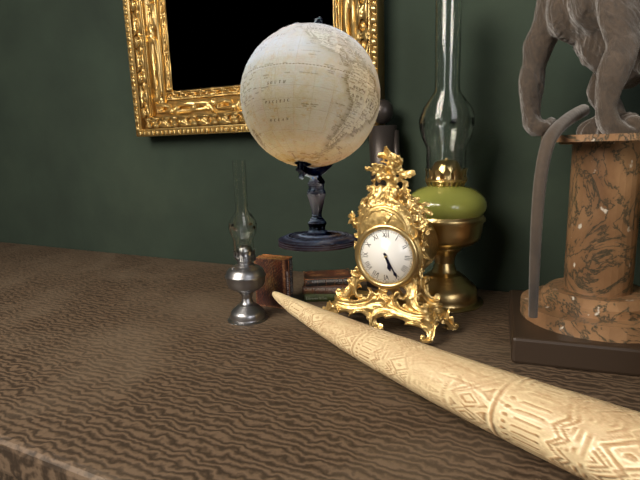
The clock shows 5:25
